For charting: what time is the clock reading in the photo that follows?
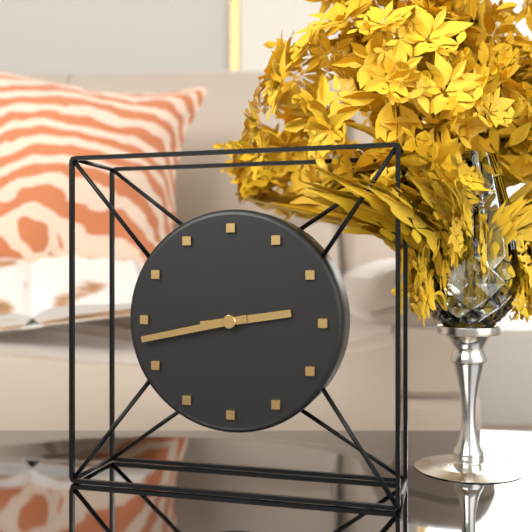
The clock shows 2:43
